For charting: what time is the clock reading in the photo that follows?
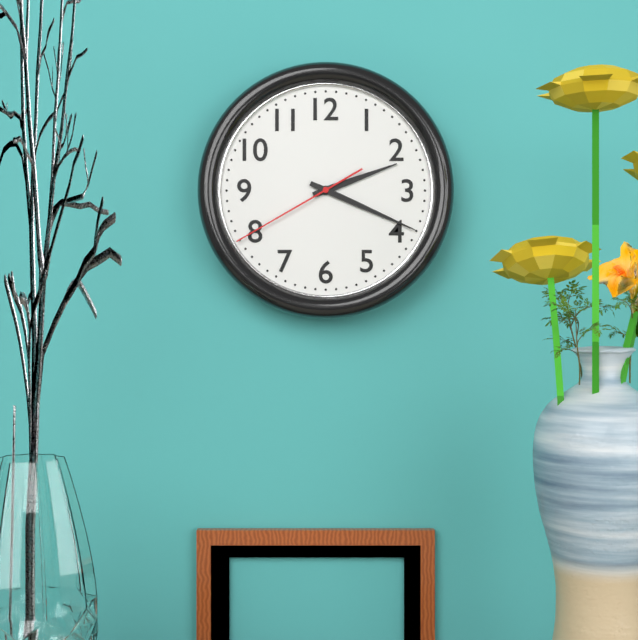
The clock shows 2:19:40
